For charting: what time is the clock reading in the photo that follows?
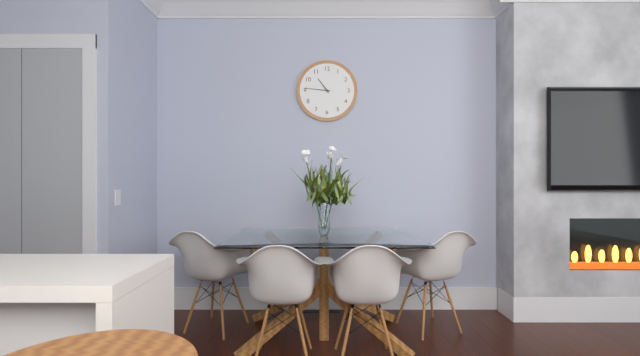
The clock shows 10:46
